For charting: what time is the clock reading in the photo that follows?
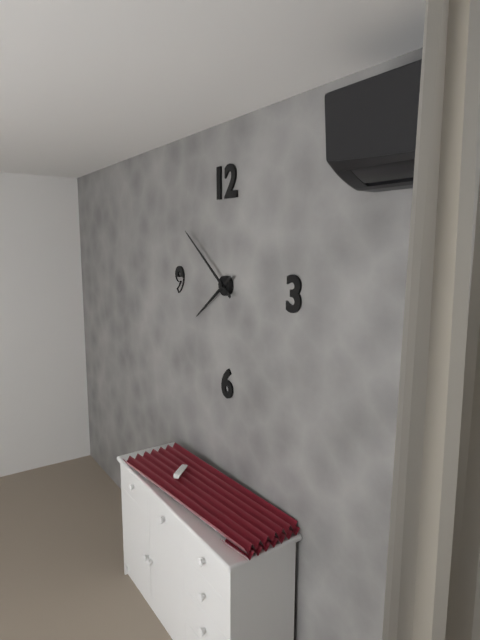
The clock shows 7:51
